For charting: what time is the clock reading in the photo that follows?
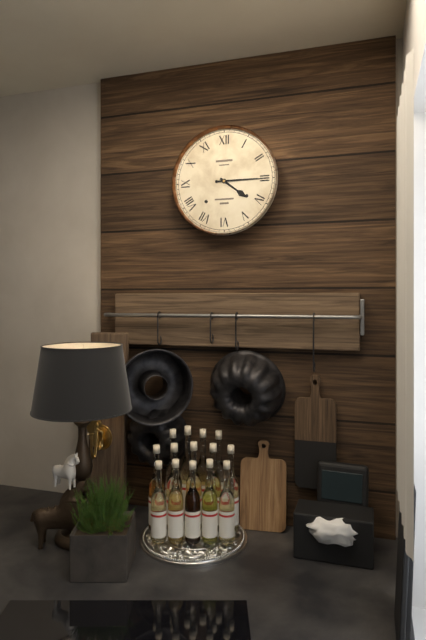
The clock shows 4:15
